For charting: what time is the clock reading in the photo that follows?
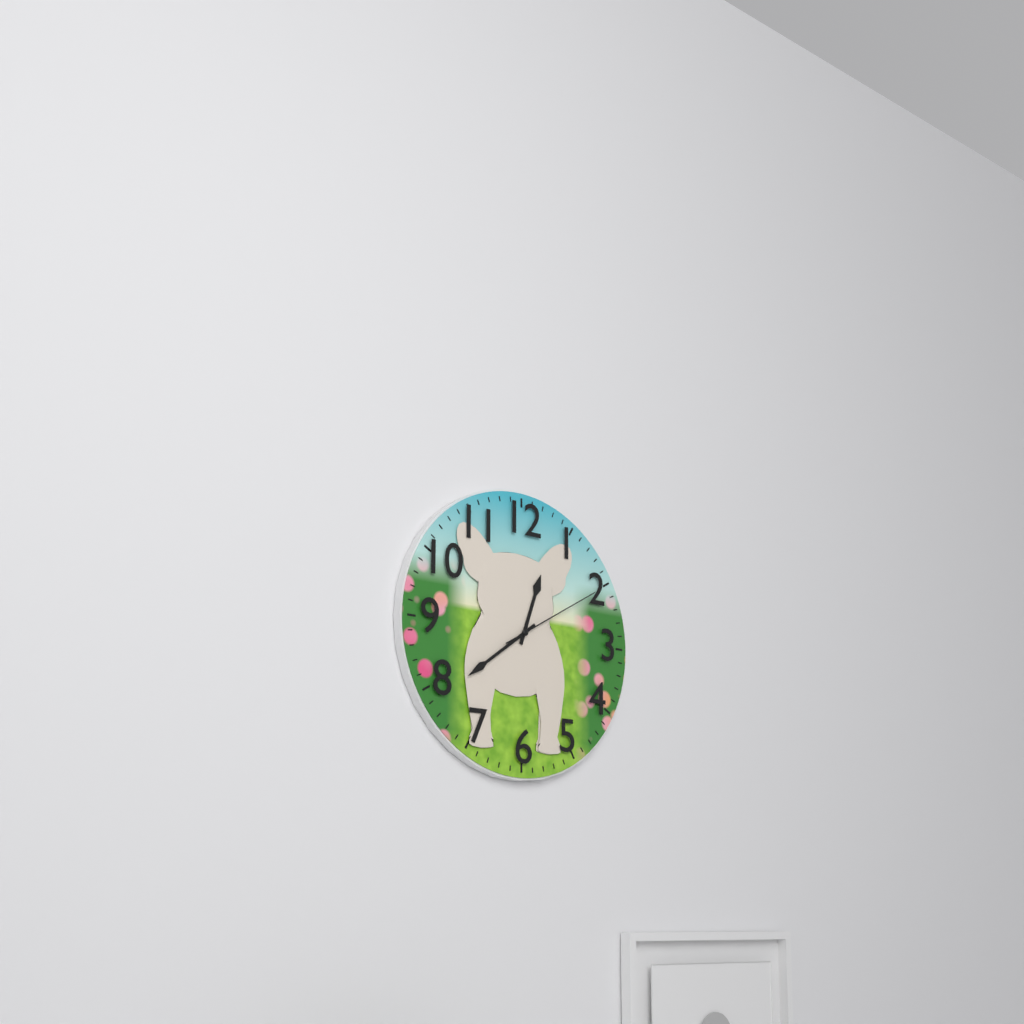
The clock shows 12:39:10
